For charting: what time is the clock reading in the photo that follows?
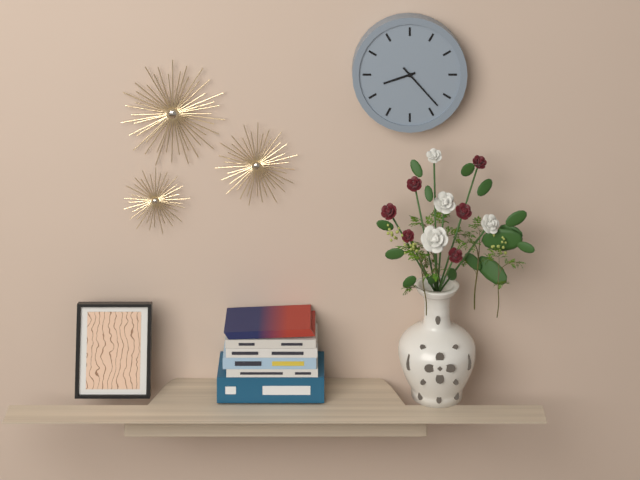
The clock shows 8:23
